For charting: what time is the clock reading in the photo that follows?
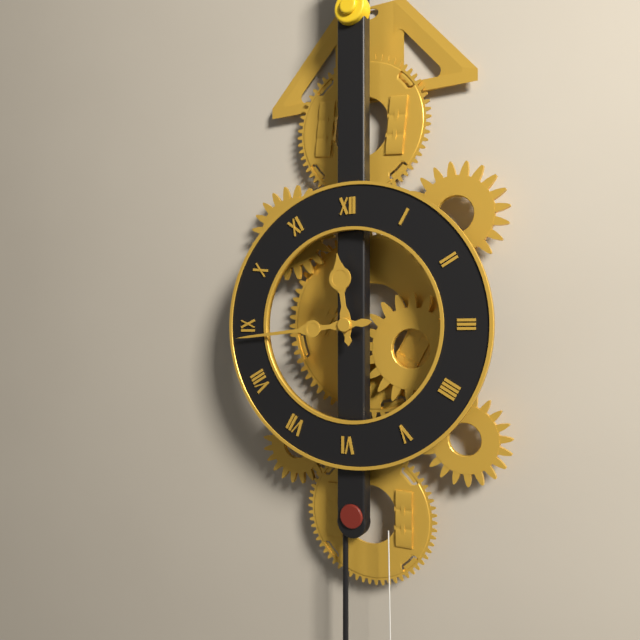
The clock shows 11:44
